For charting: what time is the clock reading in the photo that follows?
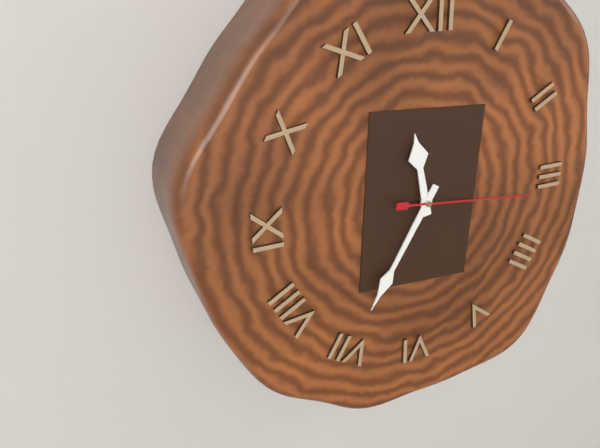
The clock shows 11:35:16
